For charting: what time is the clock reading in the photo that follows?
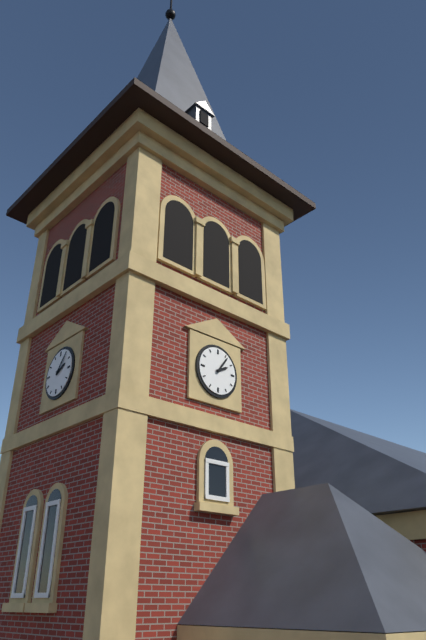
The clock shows 2:06
